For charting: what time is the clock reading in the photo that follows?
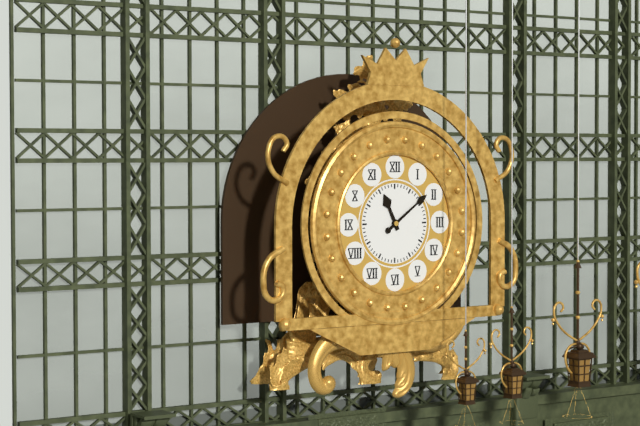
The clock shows 11:09
